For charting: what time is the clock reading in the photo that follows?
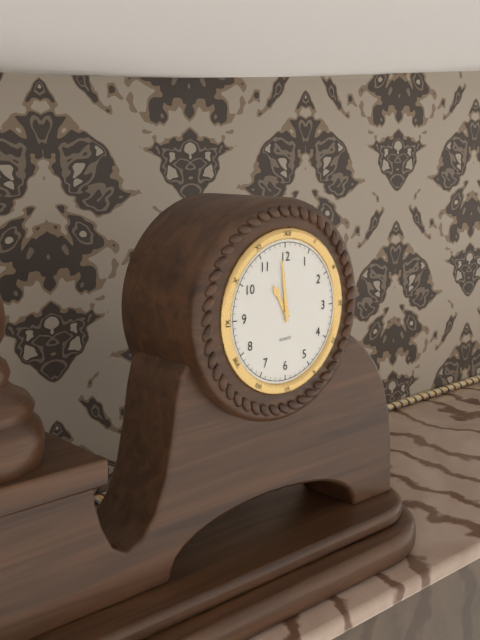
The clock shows 10:59
